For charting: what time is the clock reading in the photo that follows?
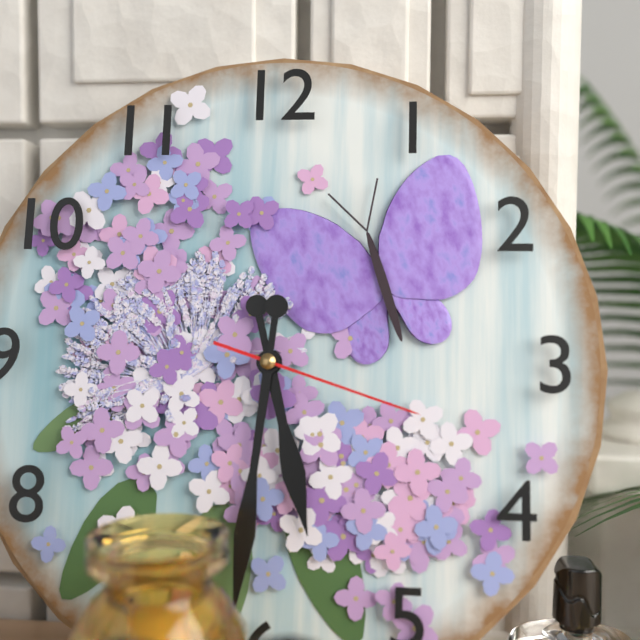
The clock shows 5:31:18
